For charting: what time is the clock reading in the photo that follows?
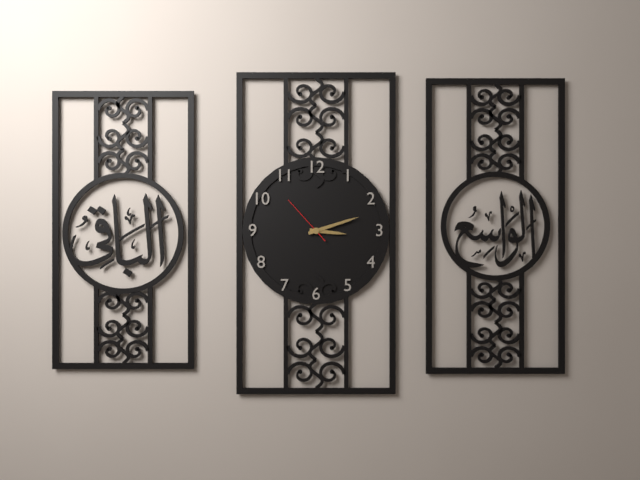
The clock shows 3:12:53
